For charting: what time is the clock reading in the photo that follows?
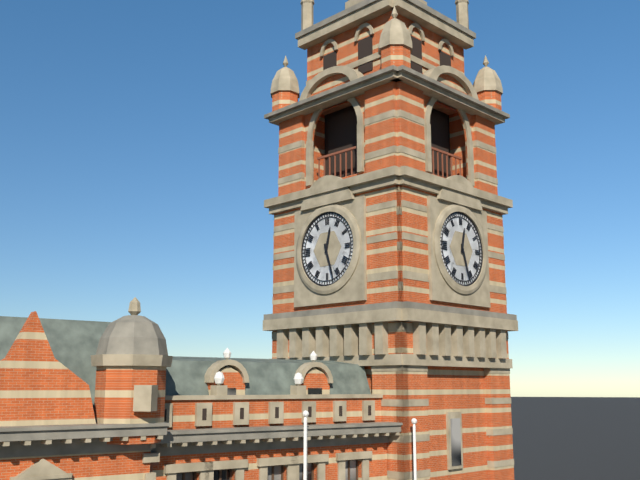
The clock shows 12:27
